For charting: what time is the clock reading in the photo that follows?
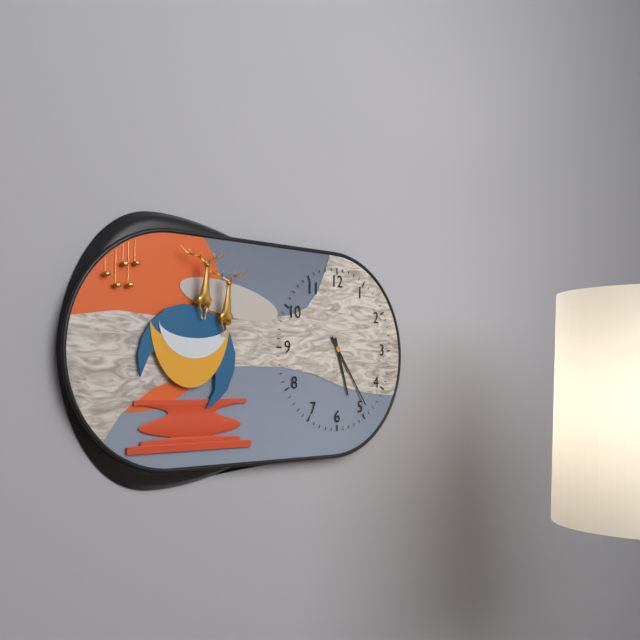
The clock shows 5:24
